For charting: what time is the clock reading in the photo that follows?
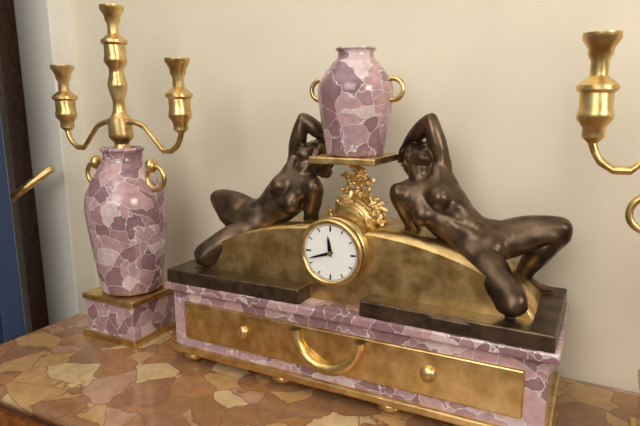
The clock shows 11:42
